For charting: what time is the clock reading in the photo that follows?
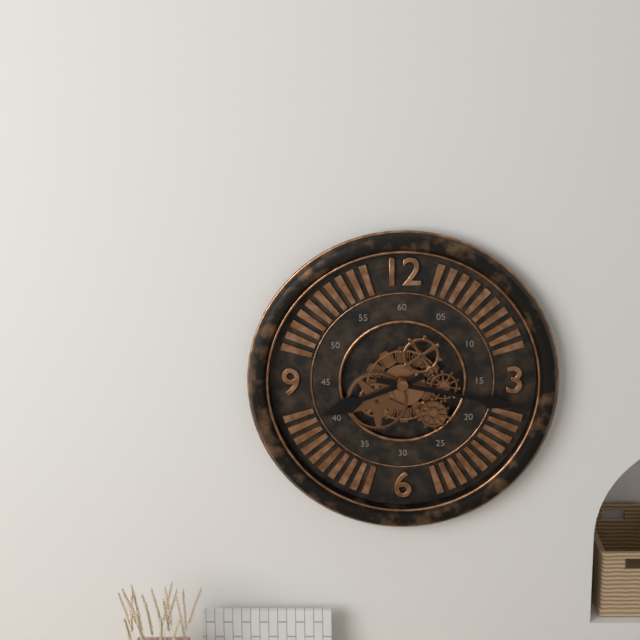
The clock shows 8:17
